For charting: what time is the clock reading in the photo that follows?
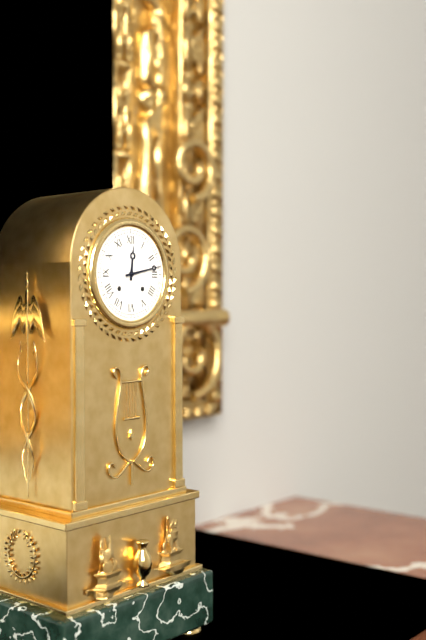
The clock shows 12:13
